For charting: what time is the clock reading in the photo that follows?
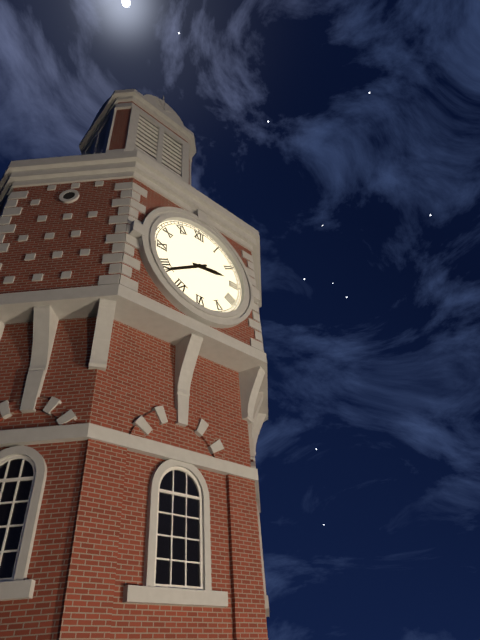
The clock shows 2:39
